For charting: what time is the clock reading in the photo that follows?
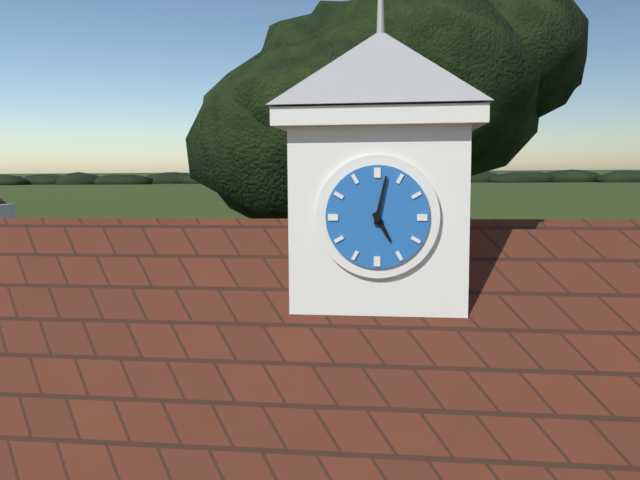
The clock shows 5:02
